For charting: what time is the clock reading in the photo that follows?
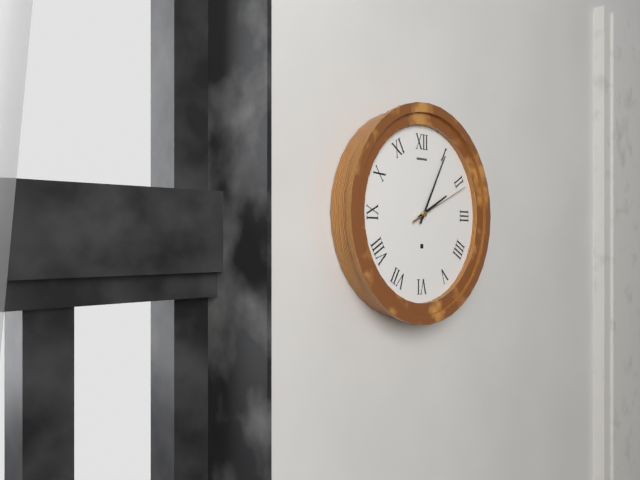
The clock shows 2:05:11
